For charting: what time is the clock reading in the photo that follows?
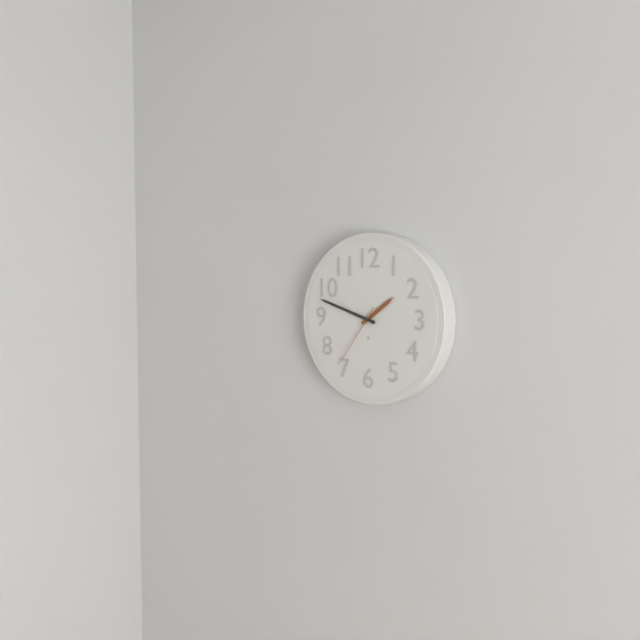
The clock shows 1:48:36
